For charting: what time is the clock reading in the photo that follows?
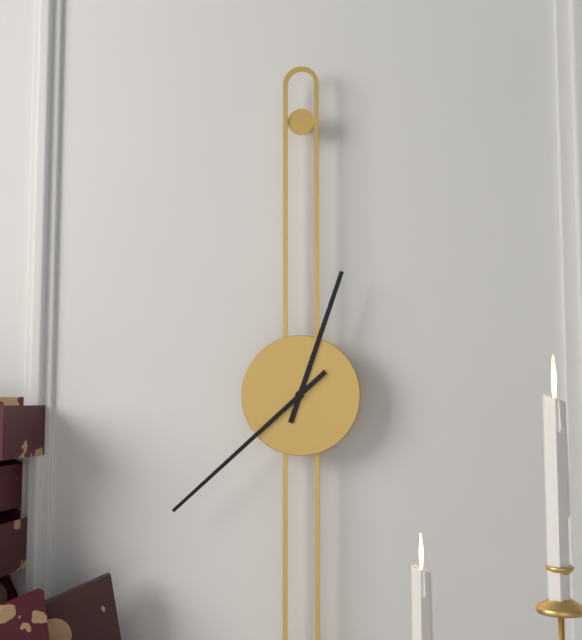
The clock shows 12:38
